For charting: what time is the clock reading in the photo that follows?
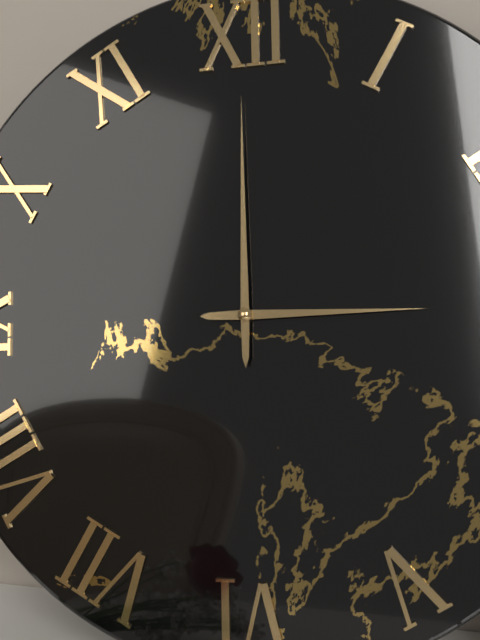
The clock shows 3:00
